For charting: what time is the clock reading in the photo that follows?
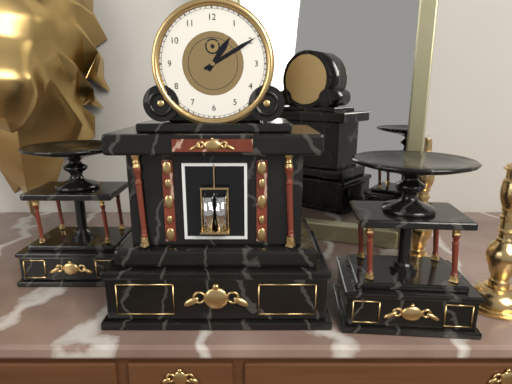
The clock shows 1:10
